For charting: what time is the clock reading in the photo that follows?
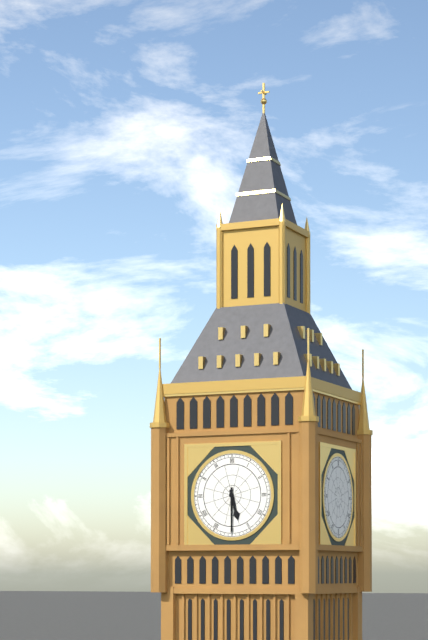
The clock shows 5:30
